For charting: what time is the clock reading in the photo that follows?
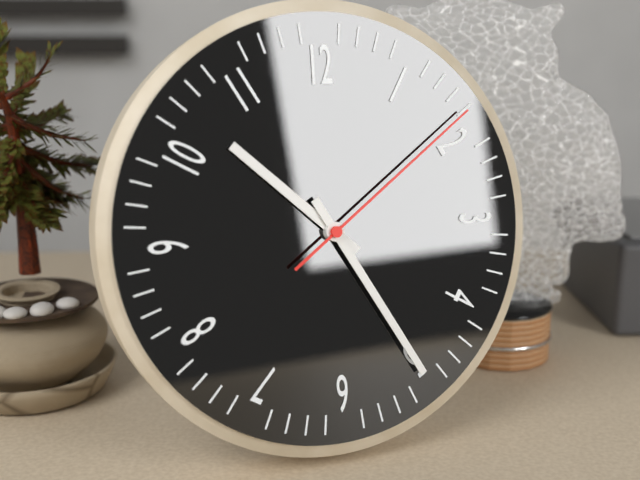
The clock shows 10:25:09
